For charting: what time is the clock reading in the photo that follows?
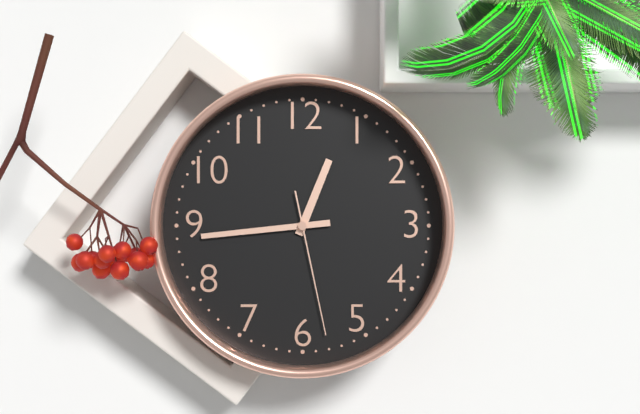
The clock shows 12:44:28
